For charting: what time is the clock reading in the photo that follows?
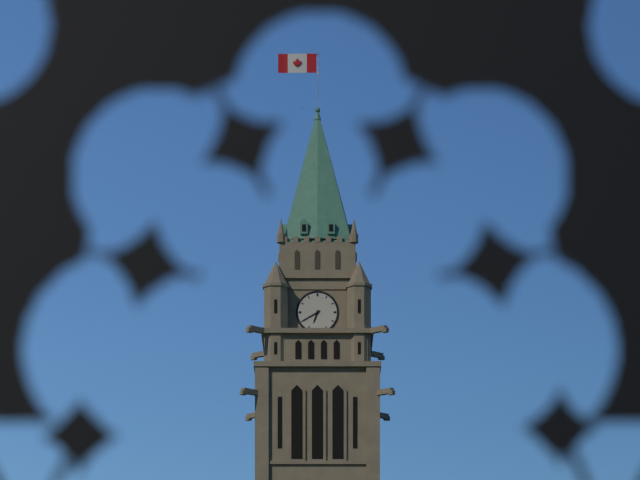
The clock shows 6:40
